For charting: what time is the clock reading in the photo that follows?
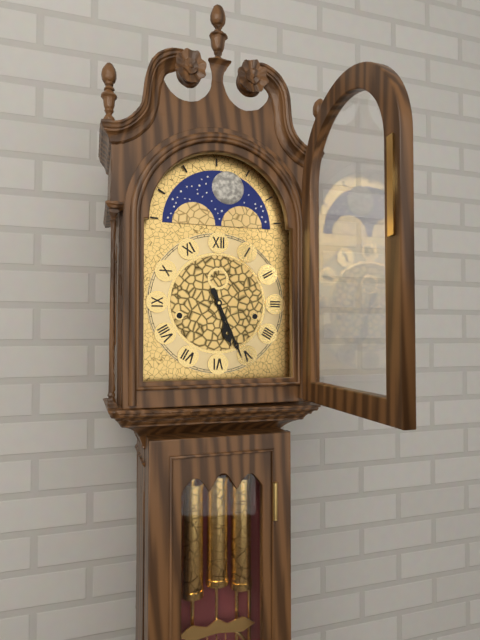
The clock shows 5:26
